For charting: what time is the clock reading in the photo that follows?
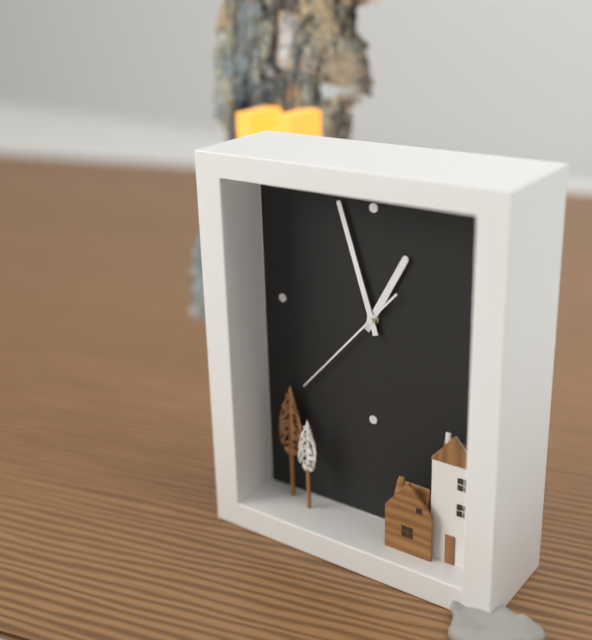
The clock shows 12:57:37
